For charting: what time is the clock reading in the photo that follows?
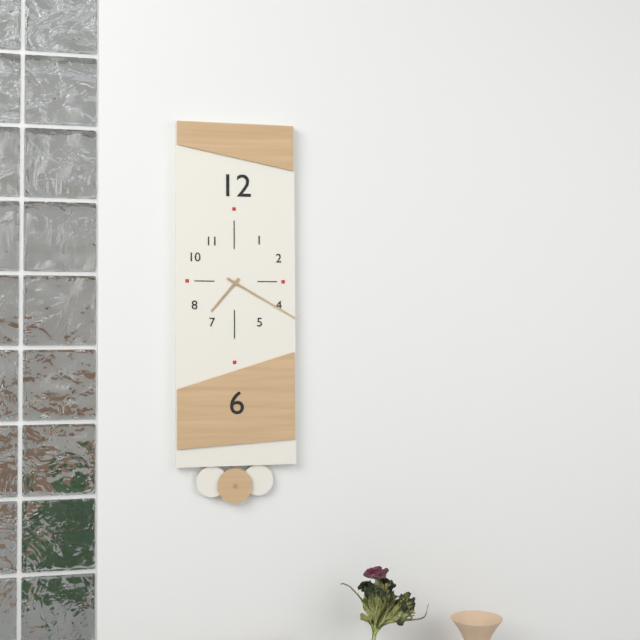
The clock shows 7:20
